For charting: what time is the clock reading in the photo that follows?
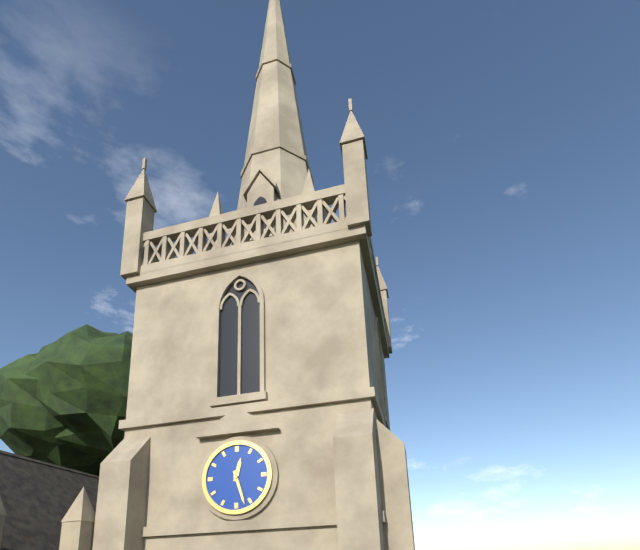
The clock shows 12:27
